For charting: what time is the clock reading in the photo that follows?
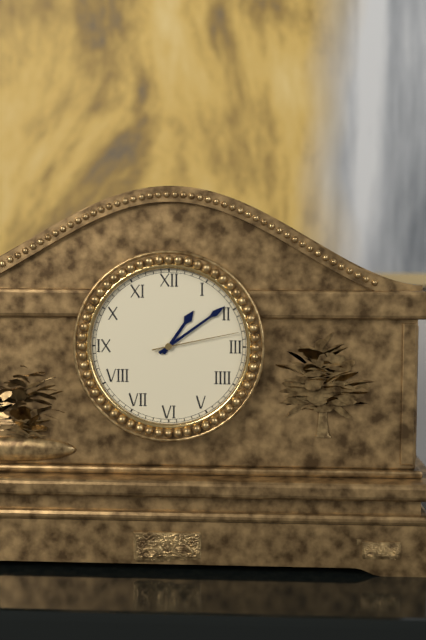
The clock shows 1:09:13
